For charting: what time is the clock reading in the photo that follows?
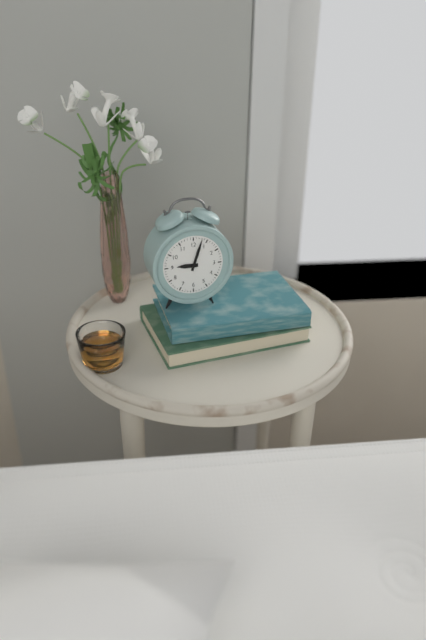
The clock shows 9:03
